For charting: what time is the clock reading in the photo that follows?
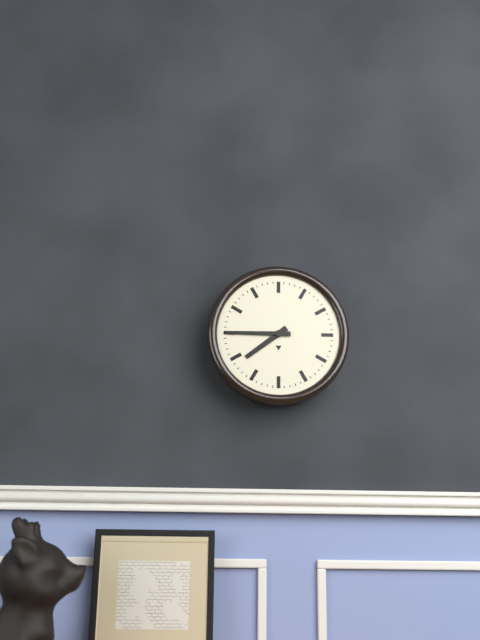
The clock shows 7:45
